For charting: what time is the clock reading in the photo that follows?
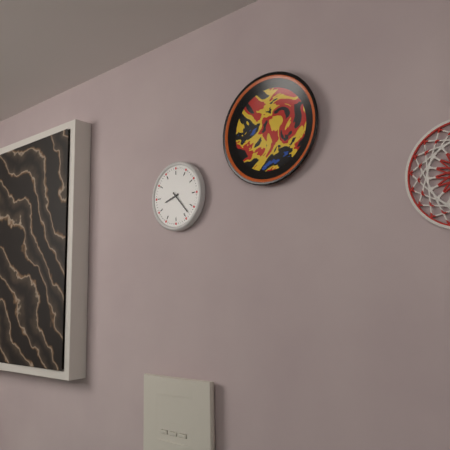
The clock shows 8:23
